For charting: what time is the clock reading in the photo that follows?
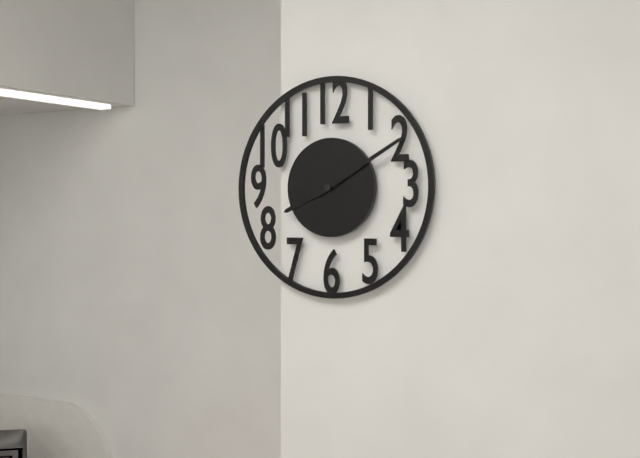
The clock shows 8:10
